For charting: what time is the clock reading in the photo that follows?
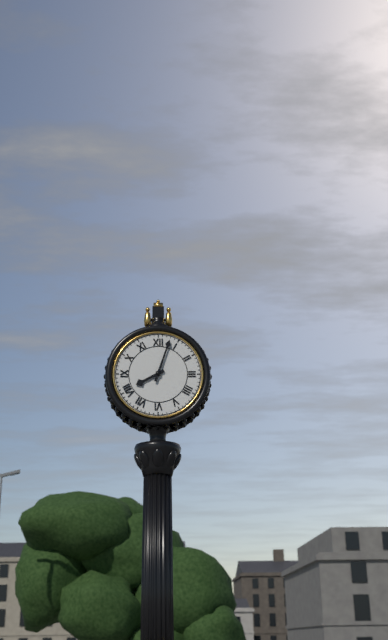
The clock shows 8:03
